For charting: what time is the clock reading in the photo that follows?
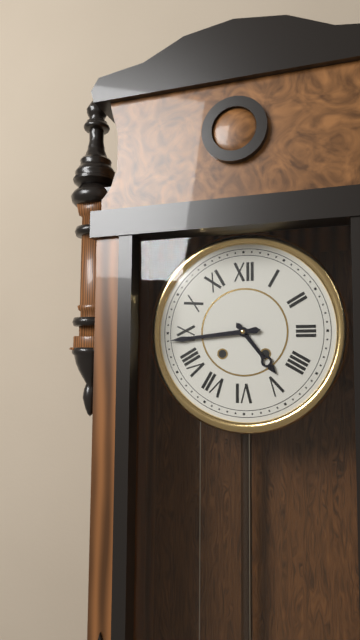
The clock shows 4:44
